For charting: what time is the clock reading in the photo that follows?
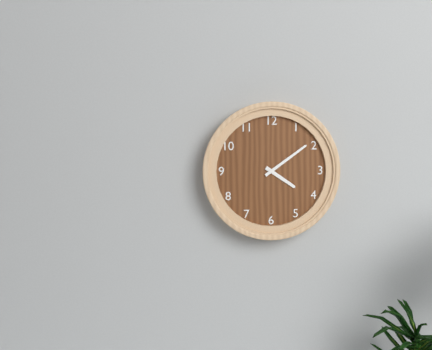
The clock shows 4:09
